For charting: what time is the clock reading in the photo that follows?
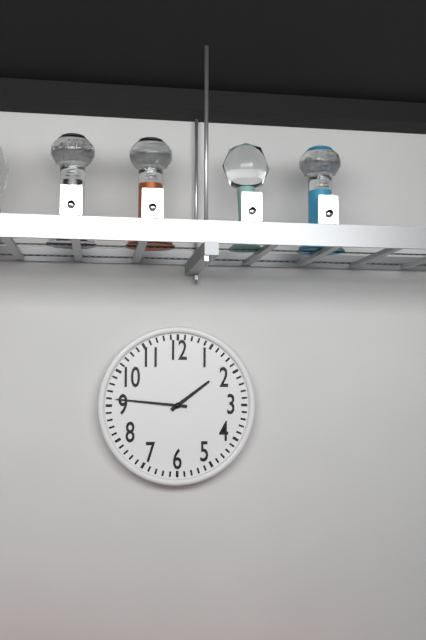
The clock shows 1:46
